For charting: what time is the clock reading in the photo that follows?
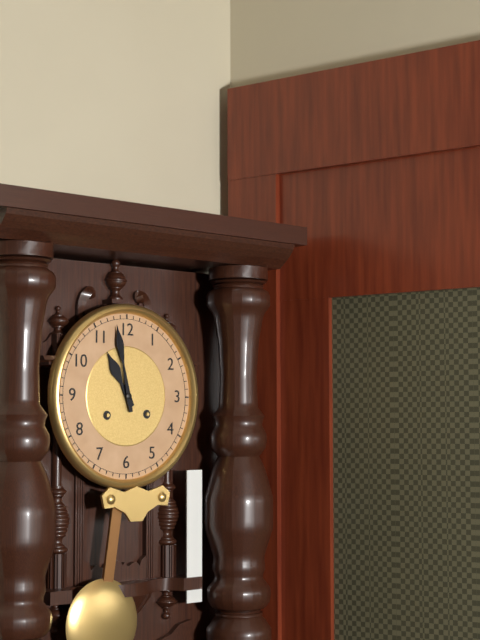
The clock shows 10:58
